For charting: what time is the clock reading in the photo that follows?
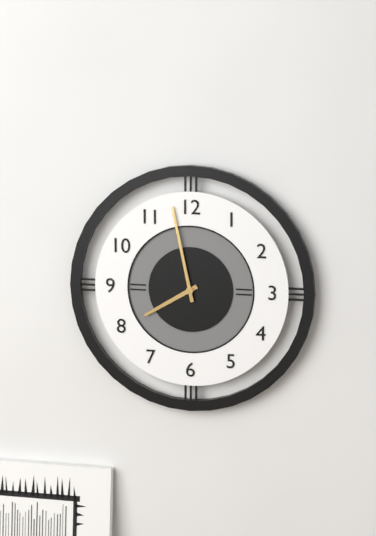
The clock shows 7:58
